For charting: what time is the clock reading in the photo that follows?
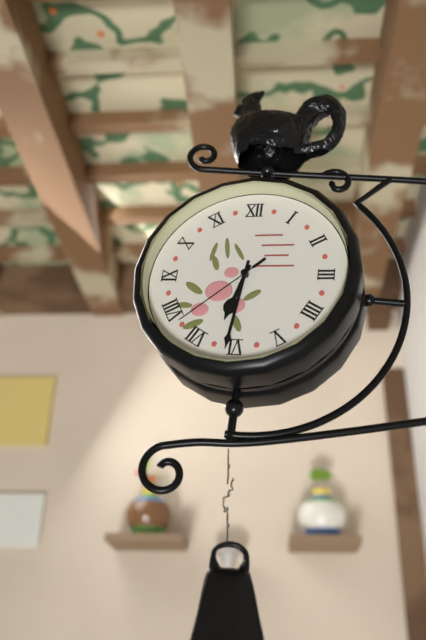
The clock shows 6:31:38
